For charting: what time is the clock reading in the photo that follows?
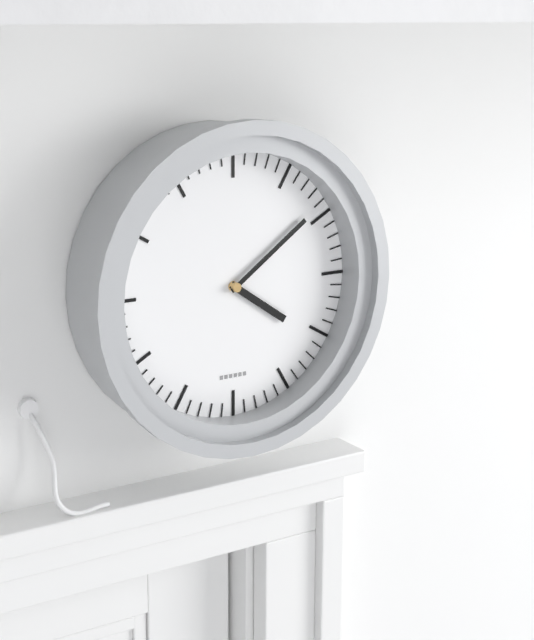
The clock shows 4:09
